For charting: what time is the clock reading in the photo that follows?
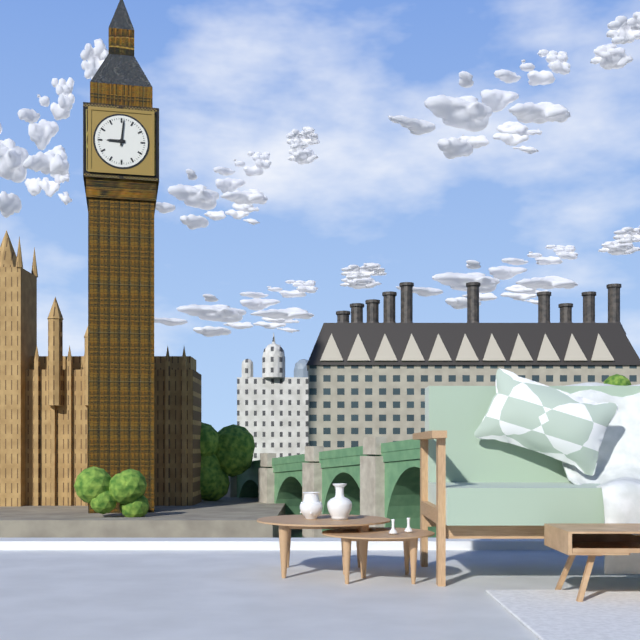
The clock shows 9:01
